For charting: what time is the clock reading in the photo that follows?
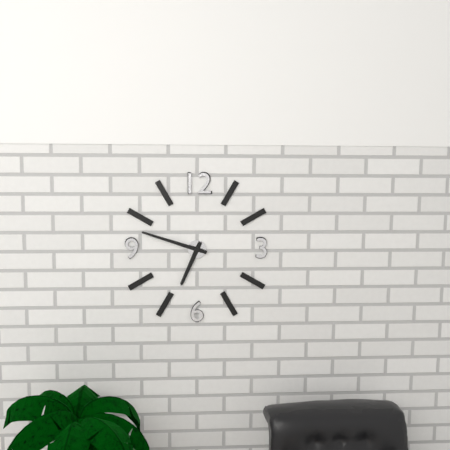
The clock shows 6:48
